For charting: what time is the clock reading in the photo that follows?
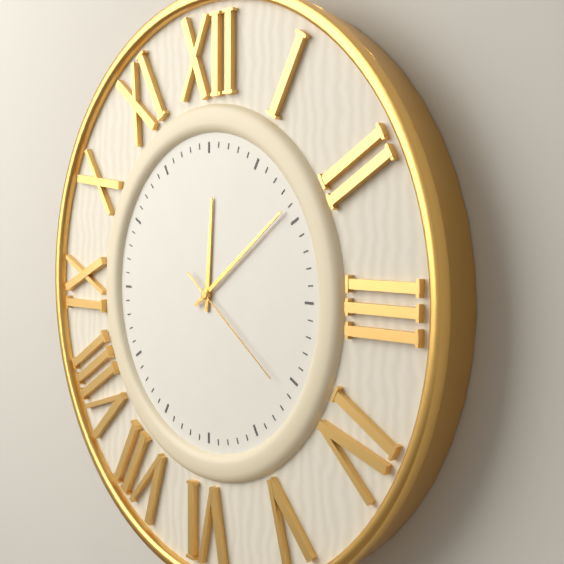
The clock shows 12:09:21
